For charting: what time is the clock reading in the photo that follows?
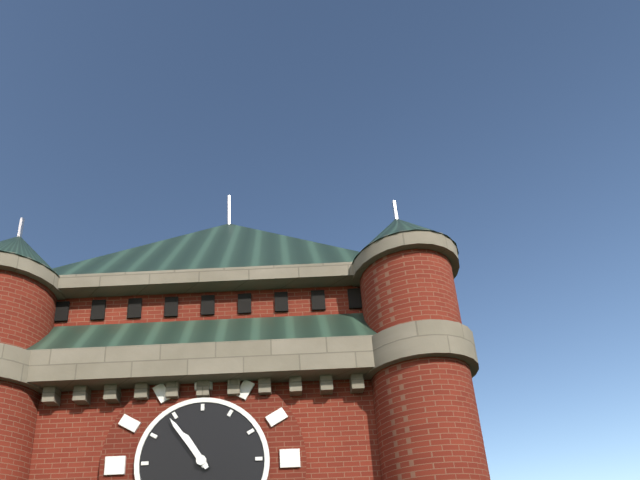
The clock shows 10:54
